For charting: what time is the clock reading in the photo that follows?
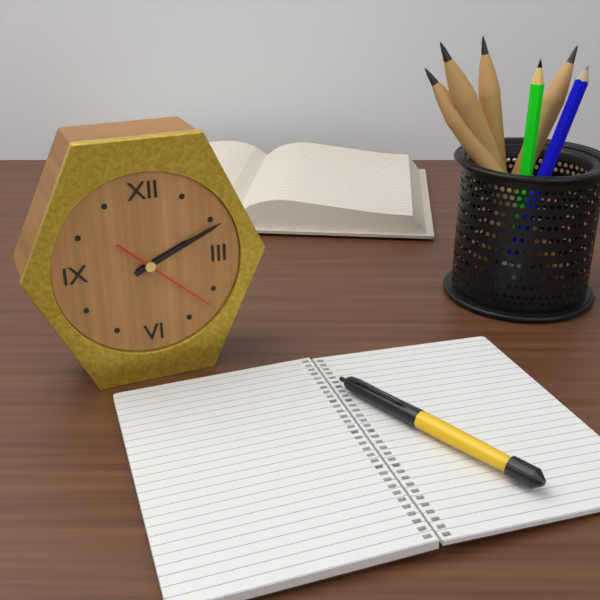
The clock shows 2:11:22
